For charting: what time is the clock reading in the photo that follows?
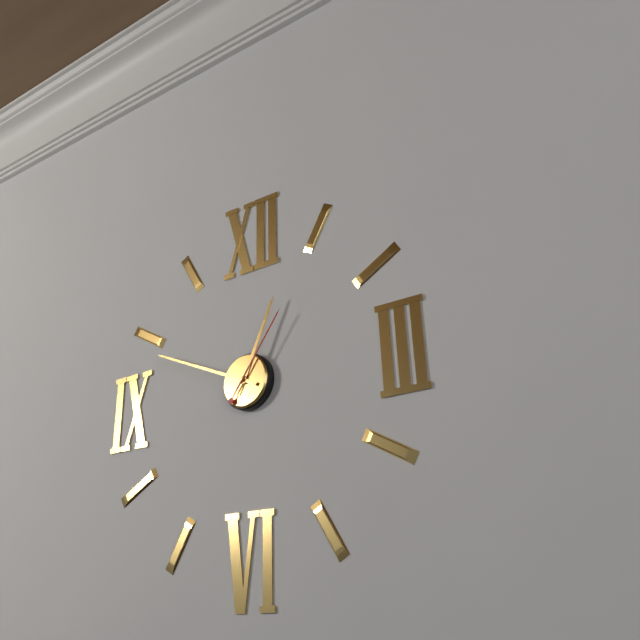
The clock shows 12:49:06
